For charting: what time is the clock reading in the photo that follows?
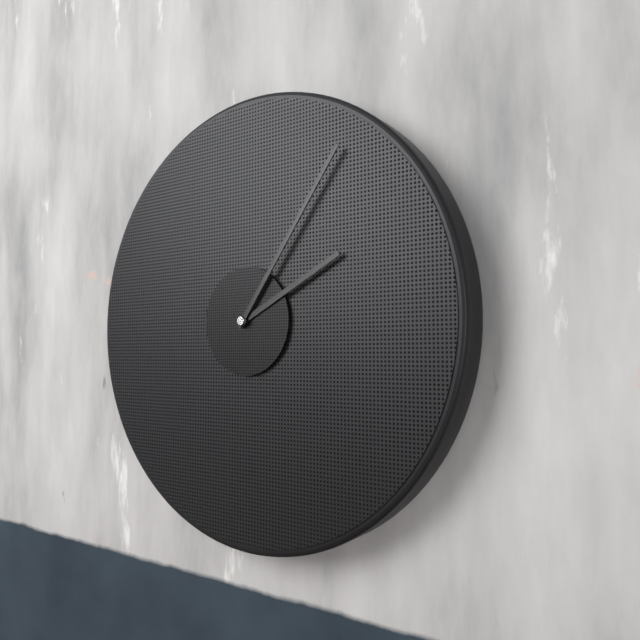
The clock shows 2:06
